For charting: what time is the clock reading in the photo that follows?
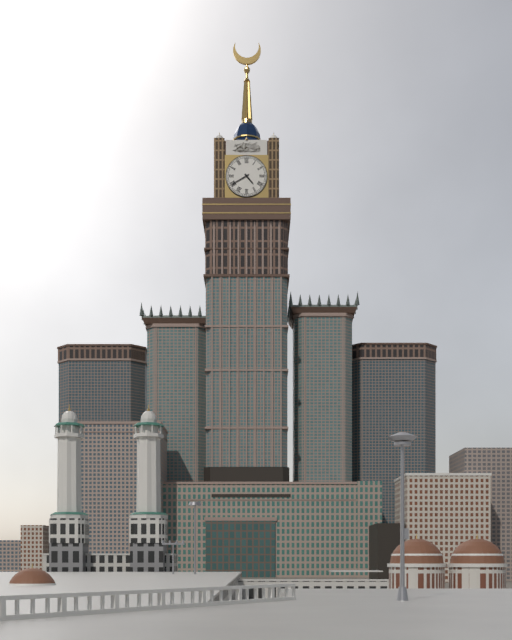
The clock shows 4:40
